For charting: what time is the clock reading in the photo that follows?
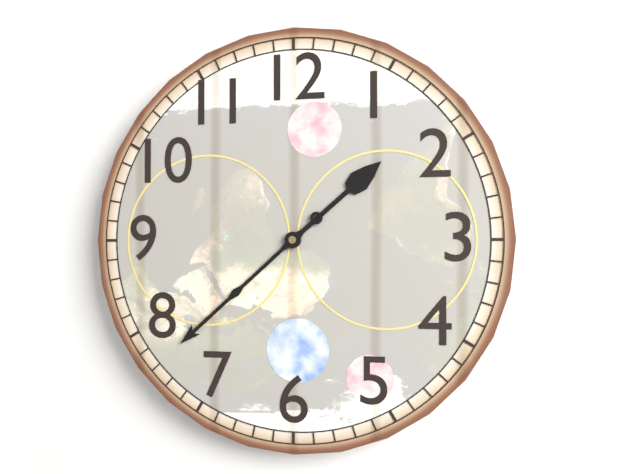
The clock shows 1:38
